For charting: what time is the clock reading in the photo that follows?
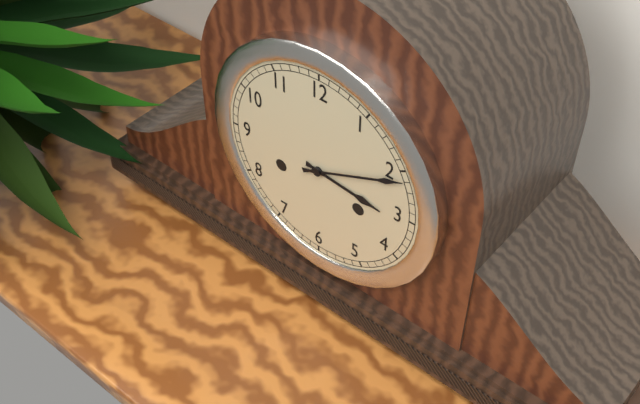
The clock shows 3:11
